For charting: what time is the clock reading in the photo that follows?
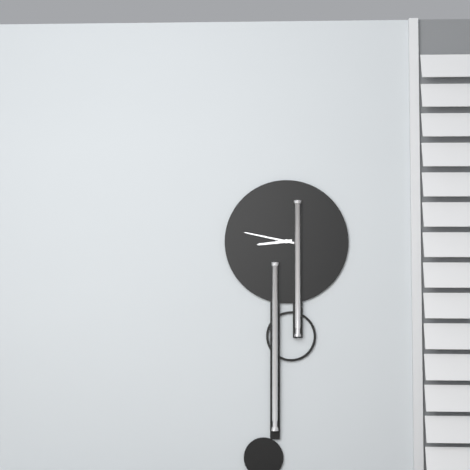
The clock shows 8:47
